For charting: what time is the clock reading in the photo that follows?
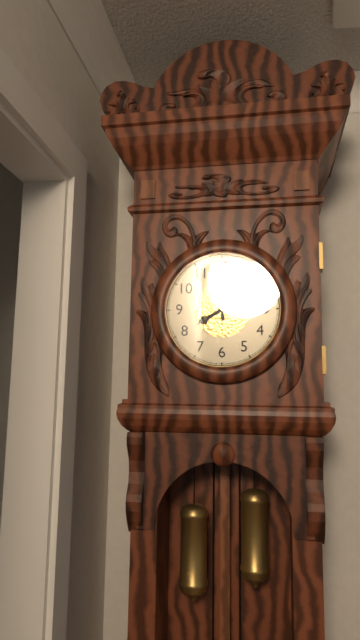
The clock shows 7:59
